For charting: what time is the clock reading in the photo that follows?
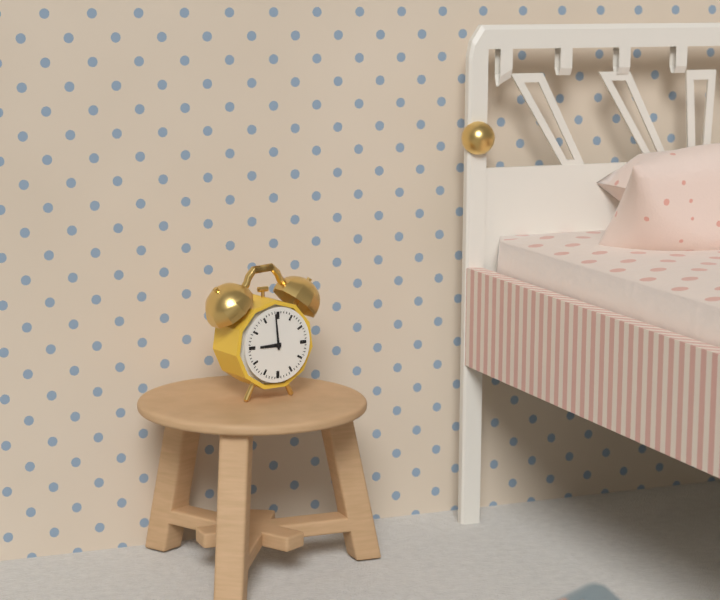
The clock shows 8:59
